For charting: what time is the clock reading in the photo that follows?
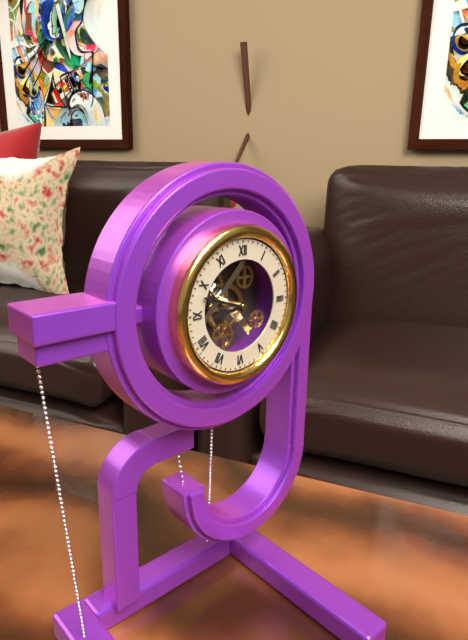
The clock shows 8:48
